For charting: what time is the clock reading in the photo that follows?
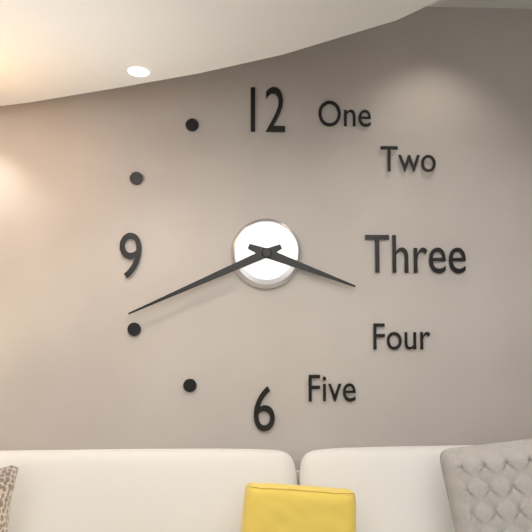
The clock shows 3:41
